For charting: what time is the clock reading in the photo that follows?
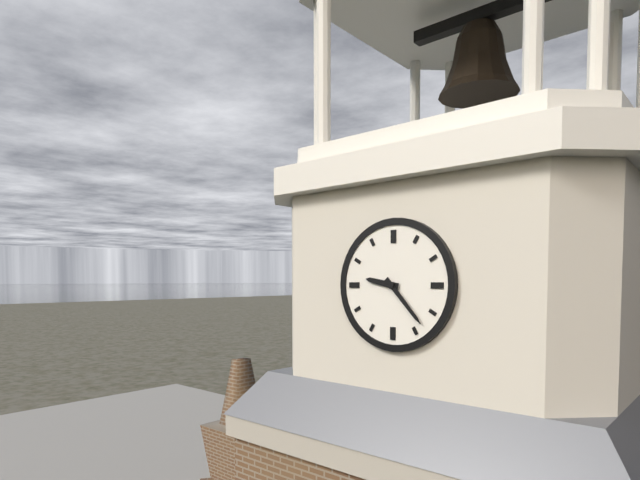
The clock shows 9:23
